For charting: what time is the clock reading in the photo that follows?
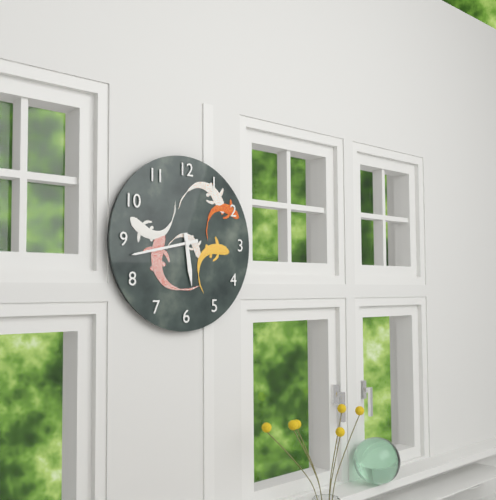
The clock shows 5:43
